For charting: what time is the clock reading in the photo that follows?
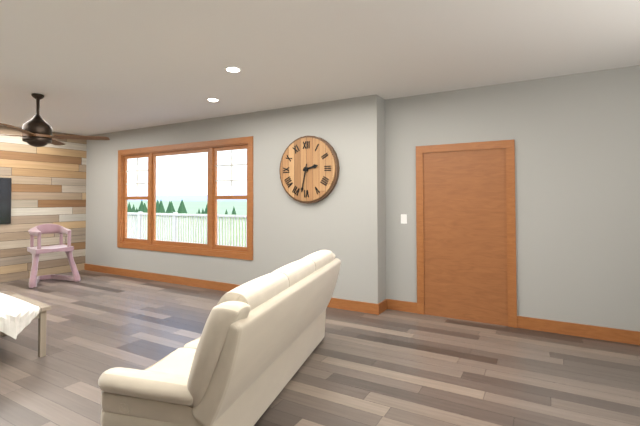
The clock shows 2:32
